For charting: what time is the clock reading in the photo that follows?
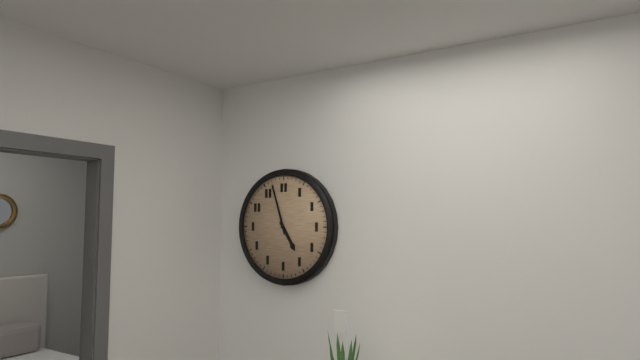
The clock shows 4:57
